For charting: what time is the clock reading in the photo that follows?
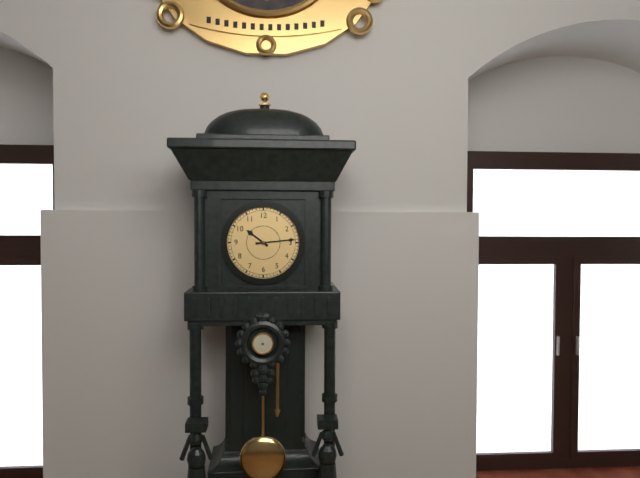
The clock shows 10:14
